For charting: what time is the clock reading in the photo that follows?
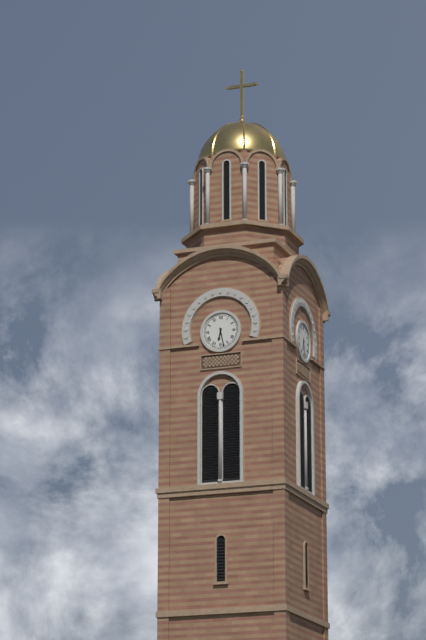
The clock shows 6:28
